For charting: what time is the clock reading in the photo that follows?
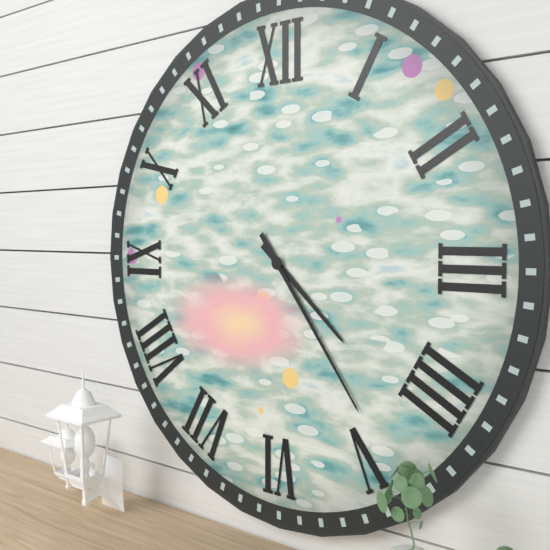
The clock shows 4:24
